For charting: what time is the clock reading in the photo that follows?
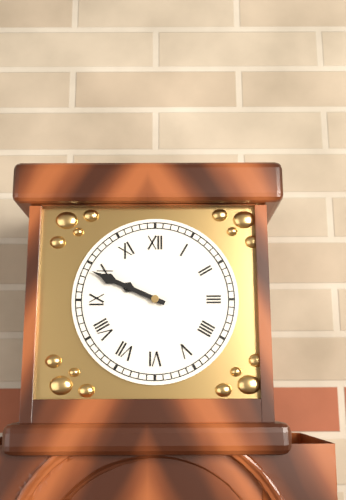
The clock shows 9:49
